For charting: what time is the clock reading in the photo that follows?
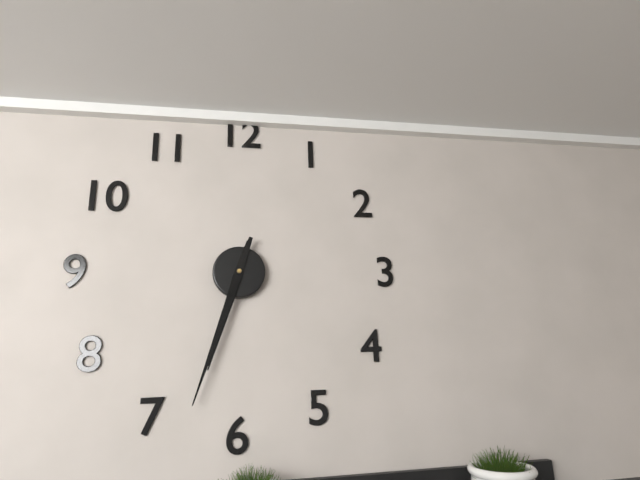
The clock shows 6:33
